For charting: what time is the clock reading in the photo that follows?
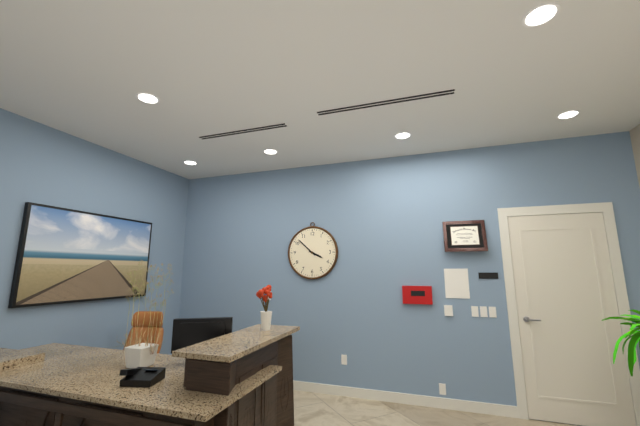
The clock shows 3:52
